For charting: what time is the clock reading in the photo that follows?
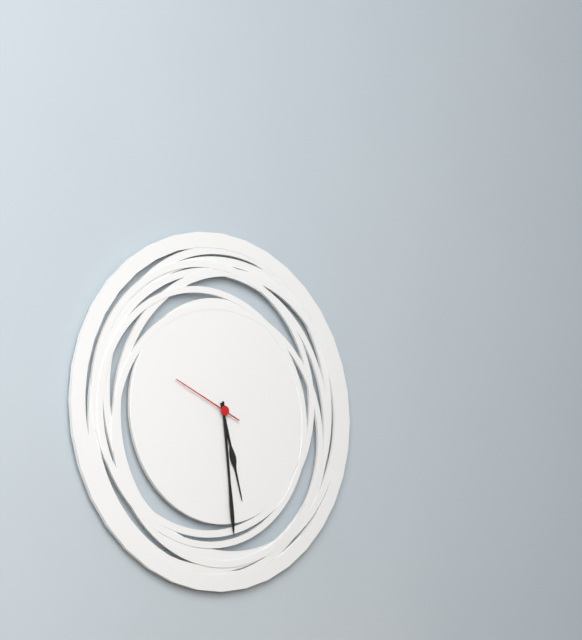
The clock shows 5:29:49
